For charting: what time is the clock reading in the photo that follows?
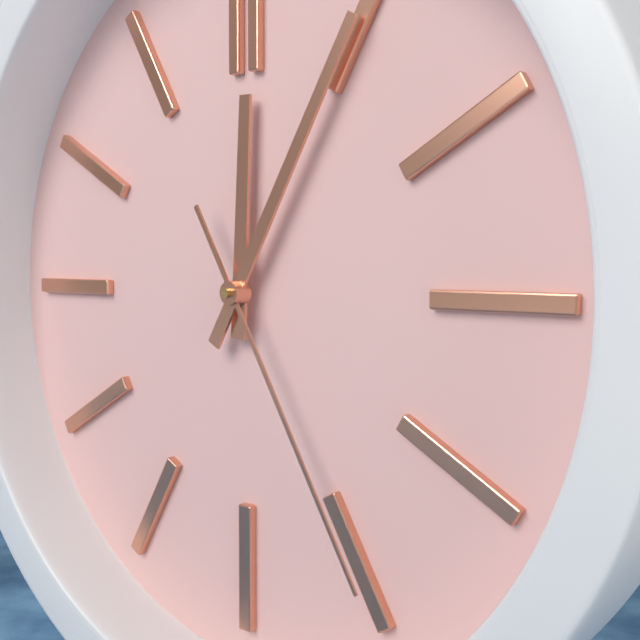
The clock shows 12:05:25
